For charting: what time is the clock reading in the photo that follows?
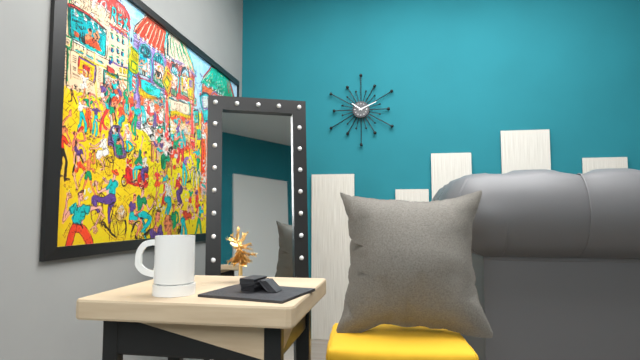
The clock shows 10:11
